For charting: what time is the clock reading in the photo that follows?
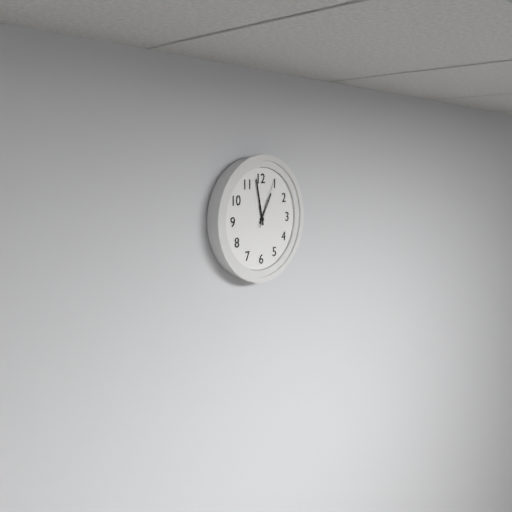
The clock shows 12:58:04
